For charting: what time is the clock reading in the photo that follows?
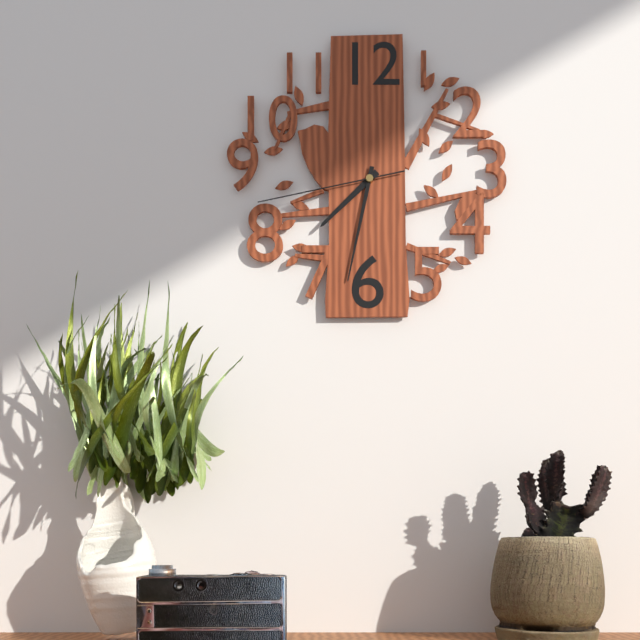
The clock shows 7:32:43
